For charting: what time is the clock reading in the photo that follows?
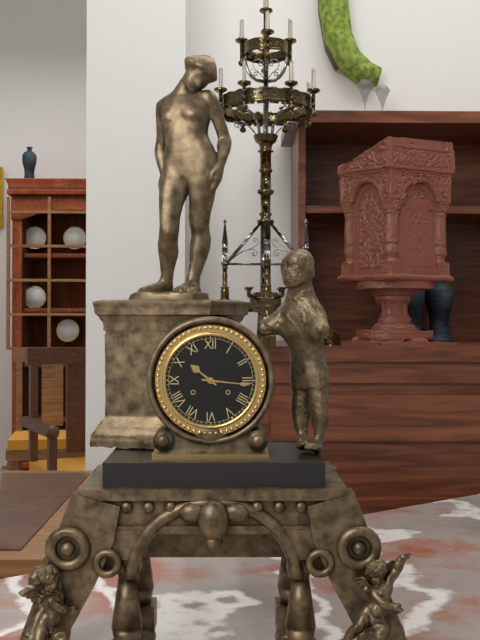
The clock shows 10:16
